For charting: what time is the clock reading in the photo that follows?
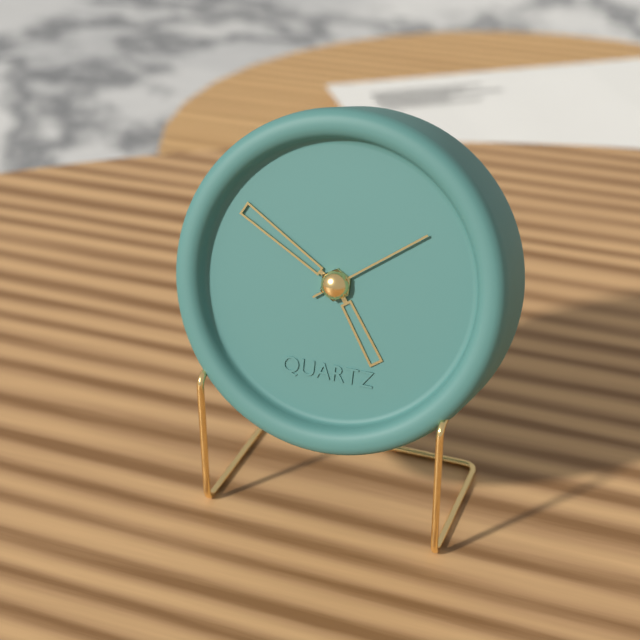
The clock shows 4:50:09
